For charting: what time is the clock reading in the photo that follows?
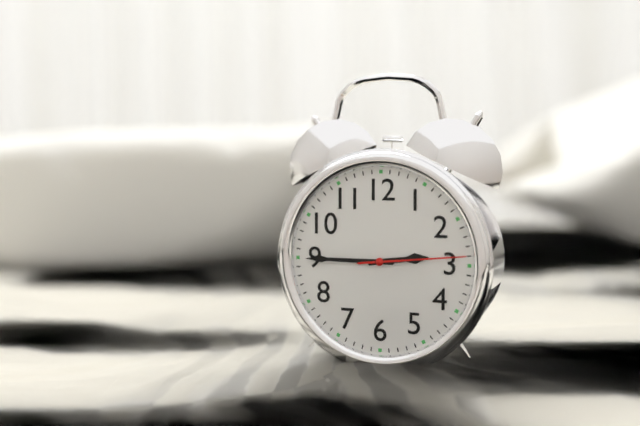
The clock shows 2:45:14
